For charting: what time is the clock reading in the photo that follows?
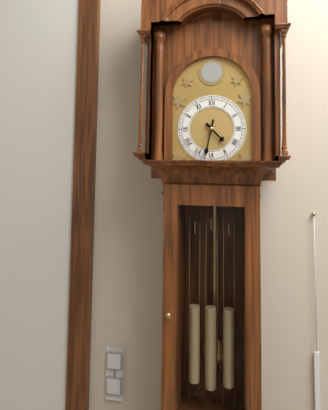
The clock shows 4:32
